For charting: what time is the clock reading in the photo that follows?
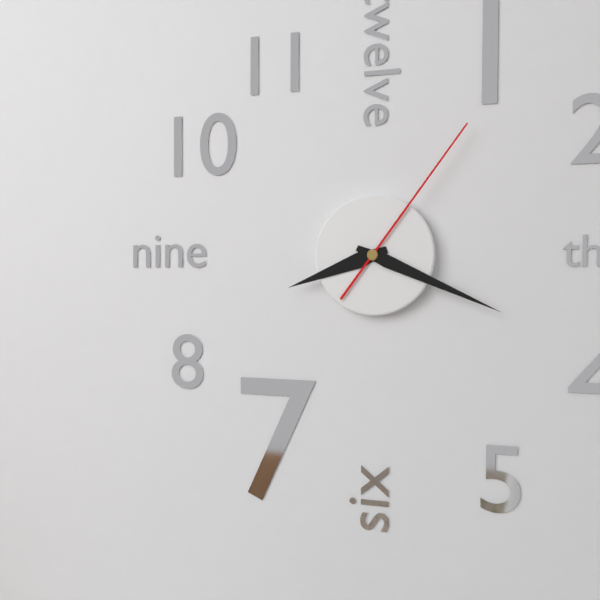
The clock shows 8:19:06
